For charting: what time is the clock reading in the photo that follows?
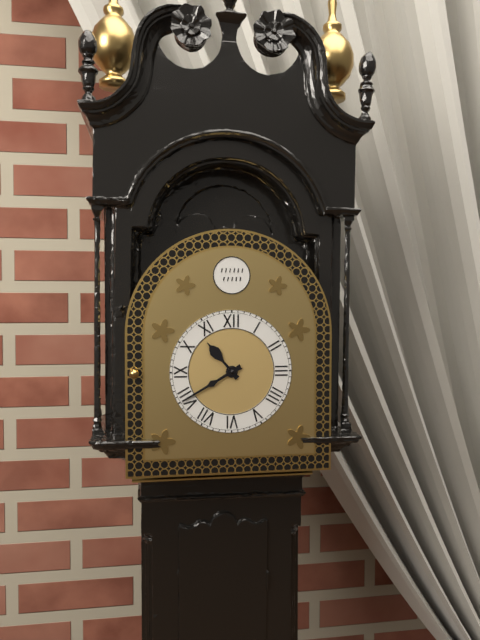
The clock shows 10:40
